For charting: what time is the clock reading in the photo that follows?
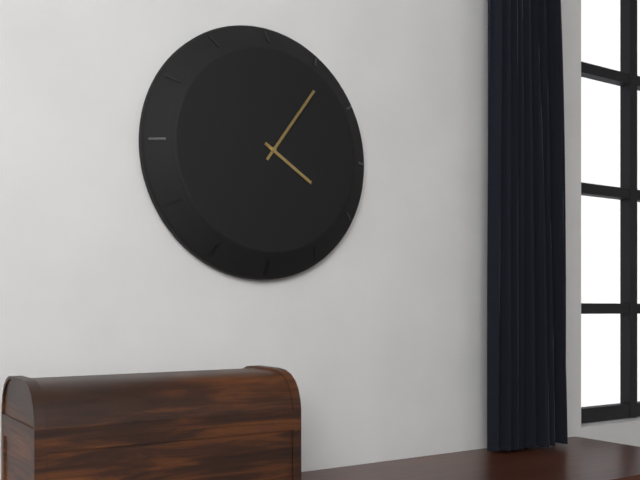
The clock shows 4:06
